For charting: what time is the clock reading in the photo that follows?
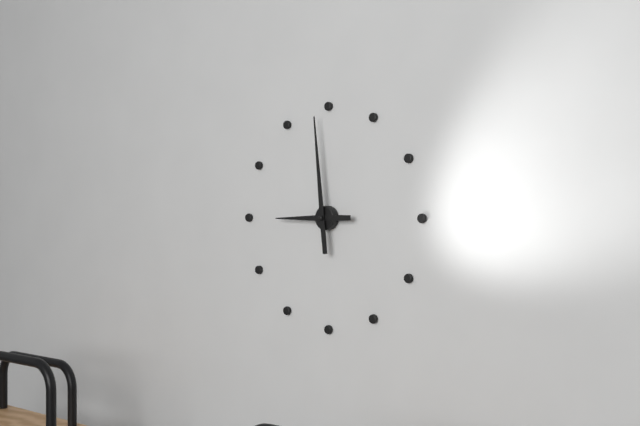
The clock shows 8:59
